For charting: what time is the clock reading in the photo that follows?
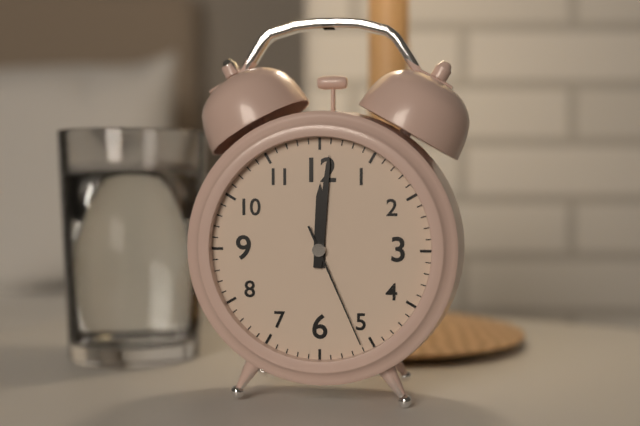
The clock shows 12:01:26
